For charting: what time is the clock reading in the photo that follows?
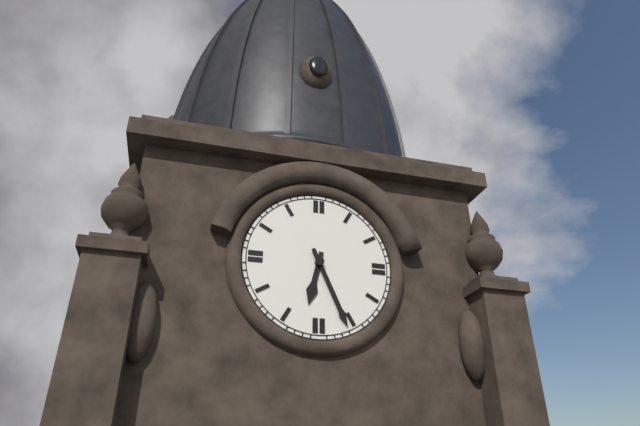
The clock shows 6:26
